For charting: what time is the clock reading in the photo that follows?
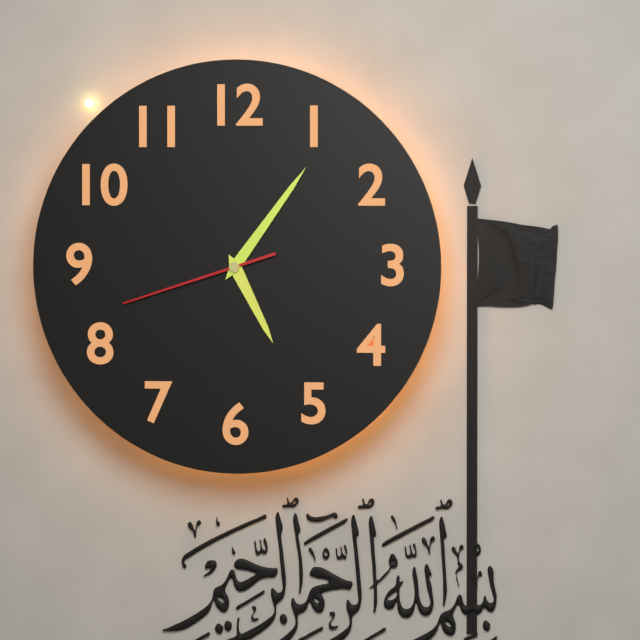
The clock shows 5:06:42
